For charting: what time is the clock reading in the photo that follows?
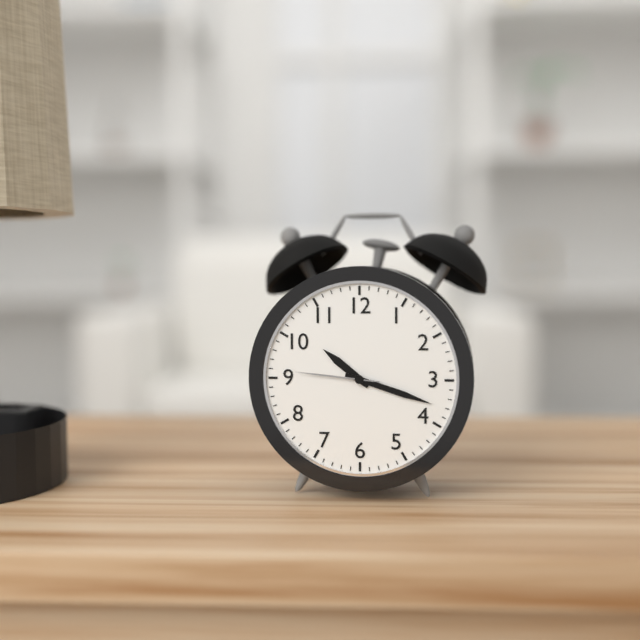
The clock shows 10:18:46
